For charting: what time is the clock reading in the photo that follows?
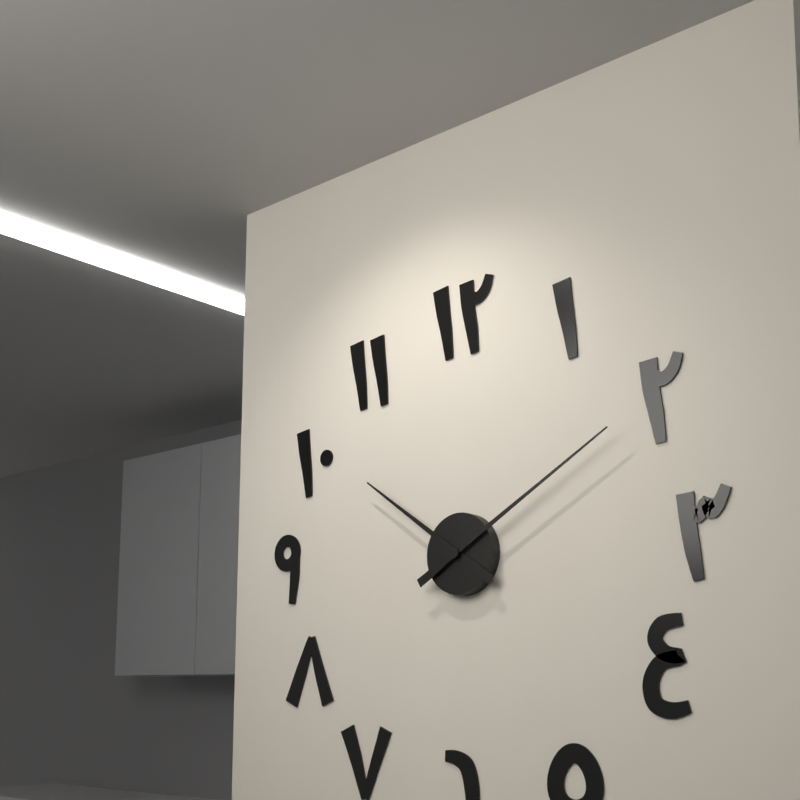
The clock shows 10:10
